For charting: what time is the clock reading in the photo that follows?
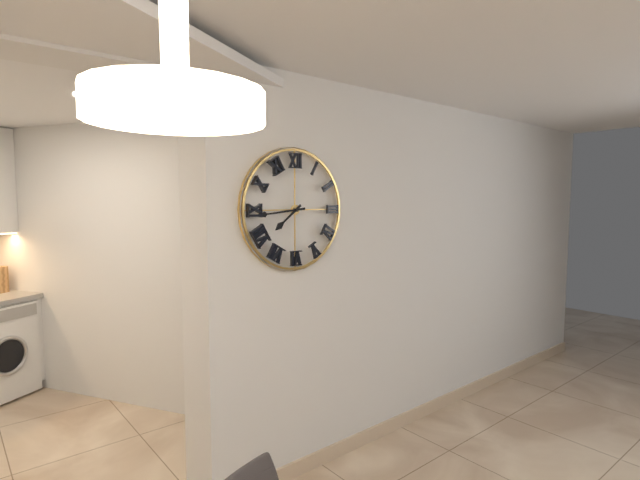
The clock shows 7:44
